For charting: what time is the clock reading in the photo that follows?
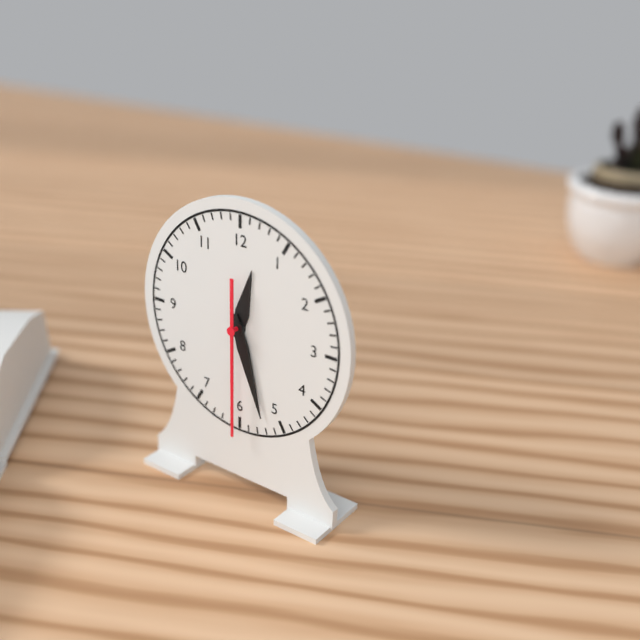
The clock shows 12:27:30
